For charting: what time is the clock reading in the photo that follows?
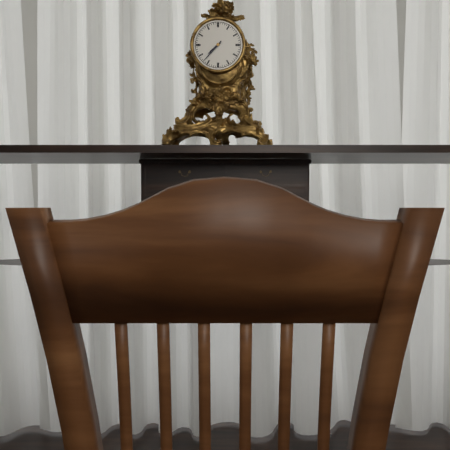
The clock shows 7:37
